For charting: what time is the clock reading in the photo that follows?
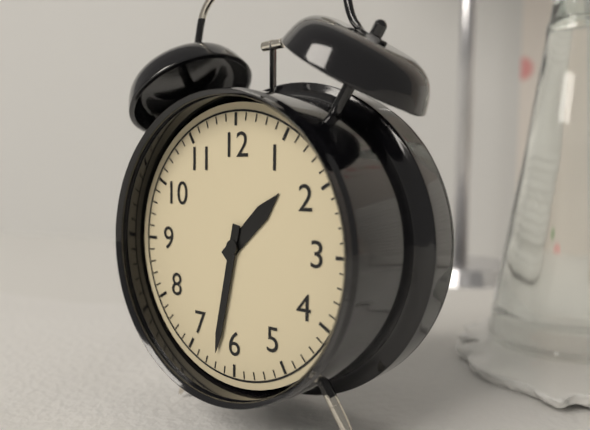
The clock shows 1:32
